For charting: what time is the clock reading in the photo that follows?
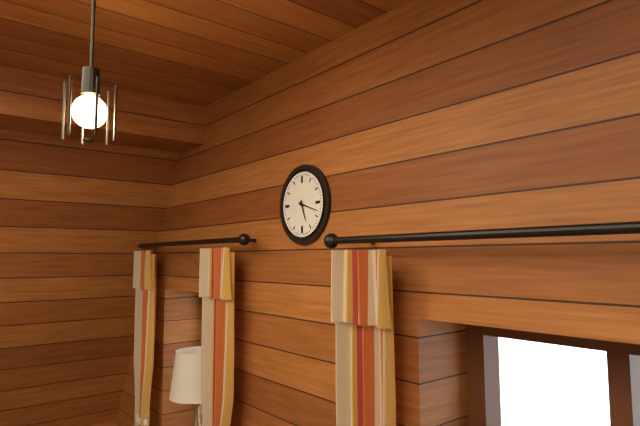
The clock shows 5:18
